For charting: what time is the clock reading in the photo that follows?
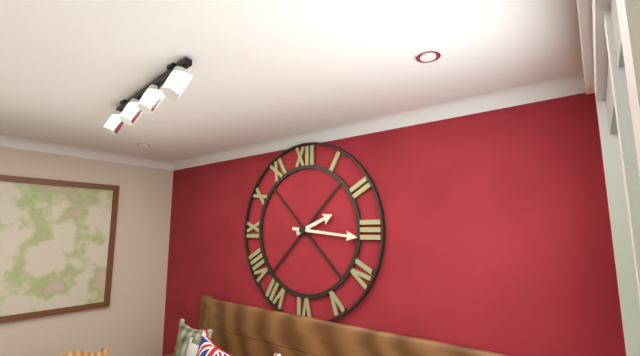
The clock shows 2:16
